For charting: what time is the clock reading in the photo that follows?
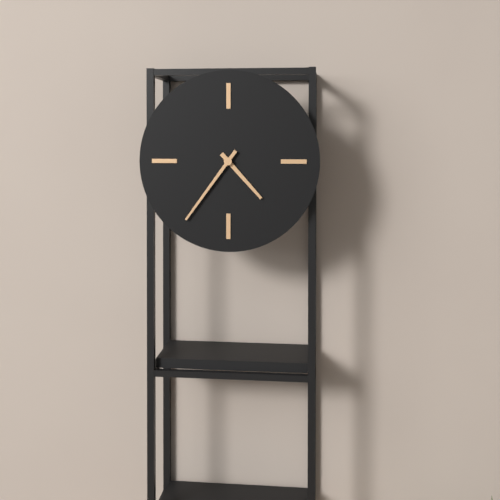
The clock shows 4:36
